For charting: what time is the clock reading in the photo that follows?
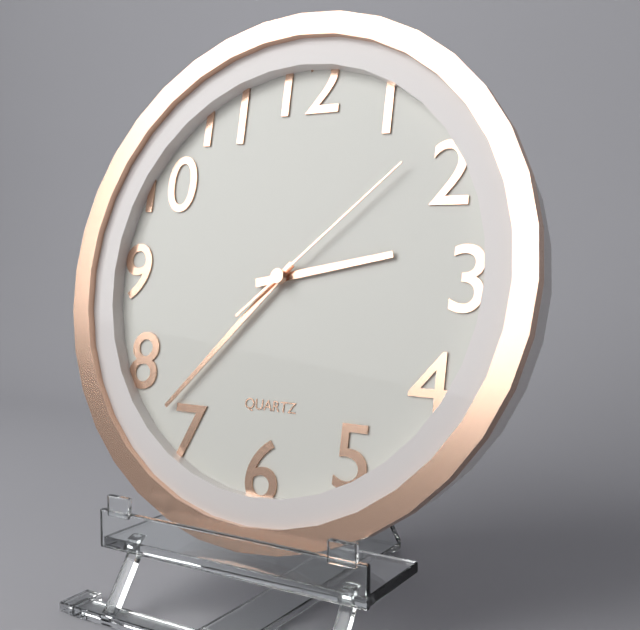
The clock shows 2:37:08
